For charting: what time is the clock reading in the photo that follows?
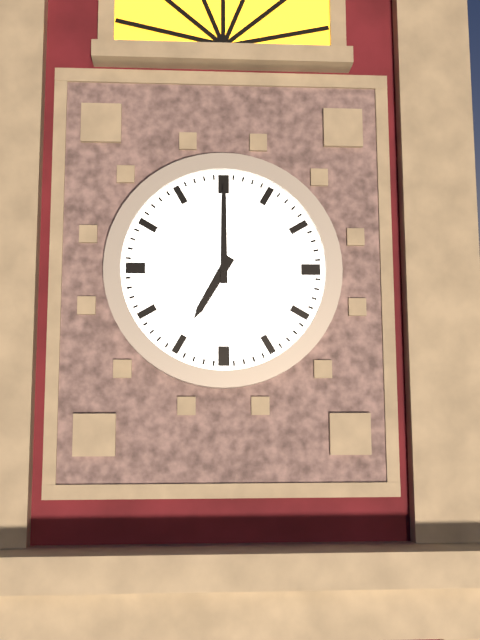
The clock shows 7:00
